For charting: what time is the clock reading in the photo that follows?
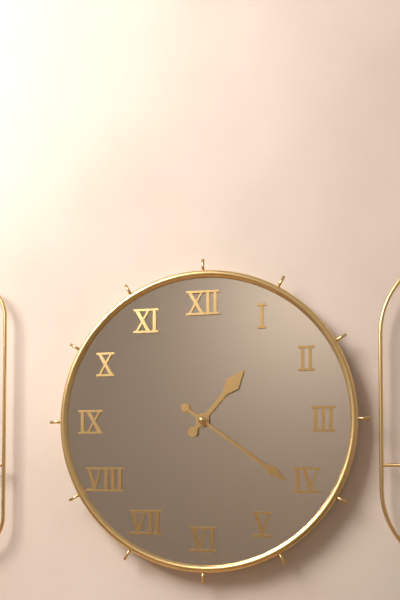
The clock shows 1:21
